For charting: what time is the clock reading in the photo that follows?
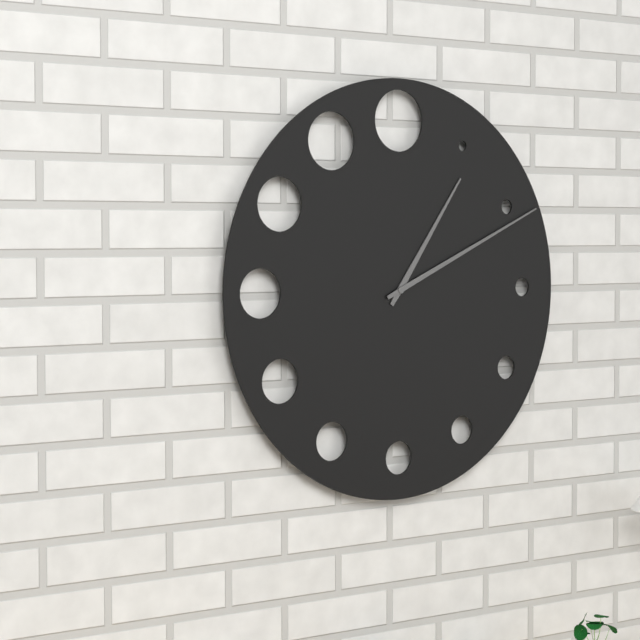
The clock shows 1:11
